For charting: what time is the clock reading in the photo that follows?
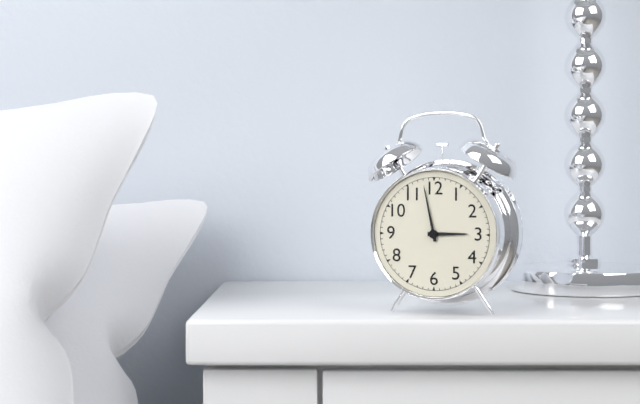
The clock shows 2:58
